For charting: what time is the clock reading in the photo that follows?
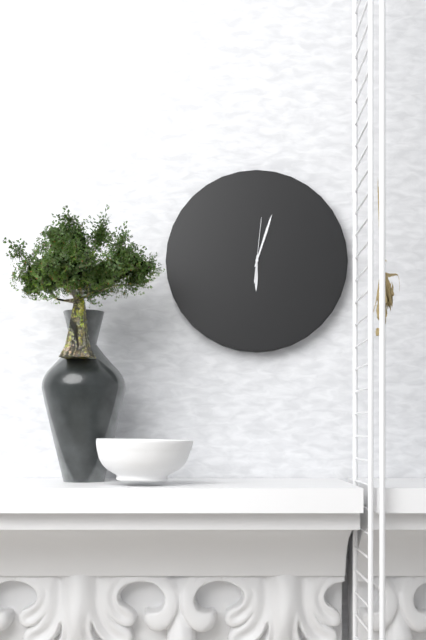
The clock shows 6:03:01
